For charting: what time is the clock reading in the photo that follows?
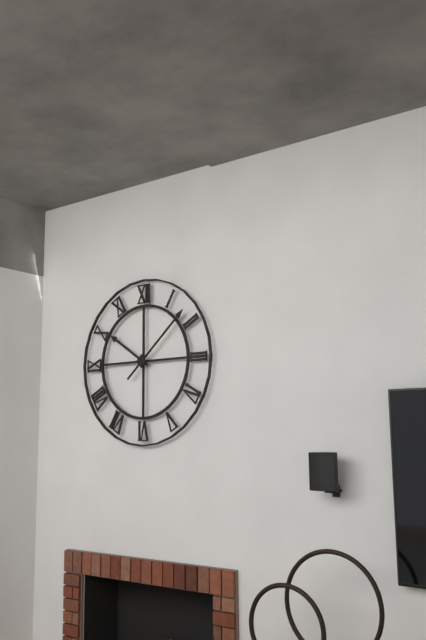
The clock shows 10:08
